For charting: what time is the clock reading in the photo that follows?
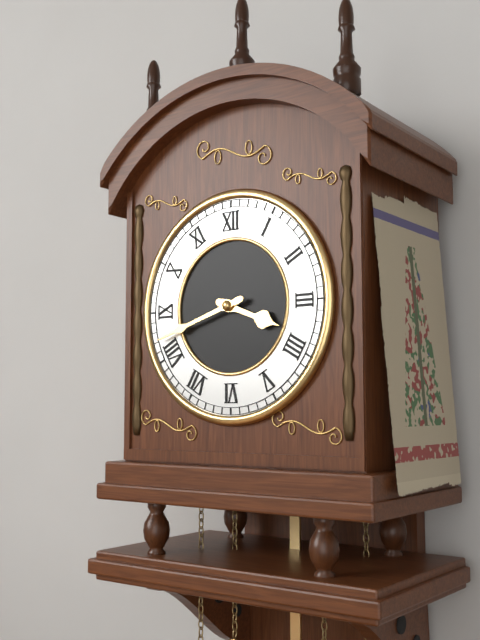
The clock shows 3:42
